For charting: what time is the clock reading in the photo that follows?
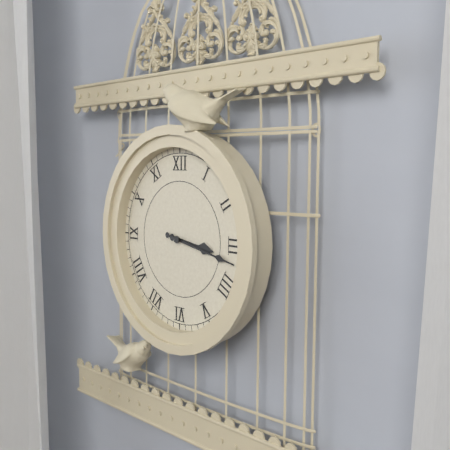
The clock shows 3:17
